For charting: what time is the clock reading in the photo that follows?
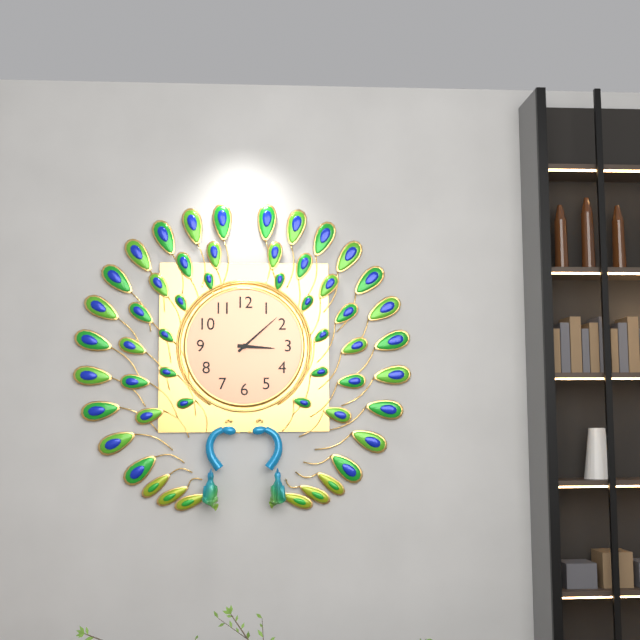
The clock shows 3:08
